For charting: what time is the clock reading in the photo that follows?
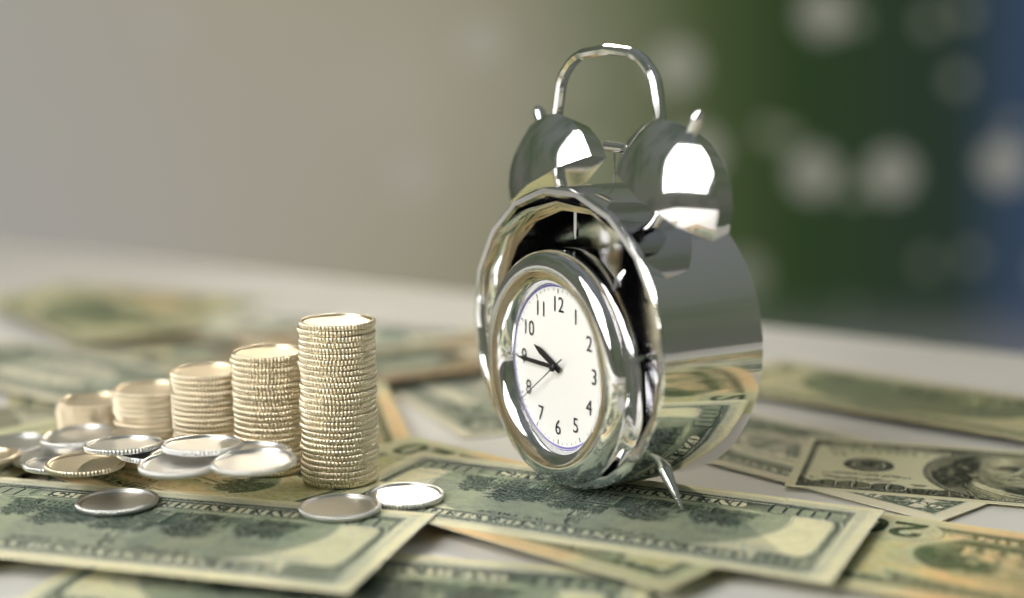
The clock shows 9:45:39
